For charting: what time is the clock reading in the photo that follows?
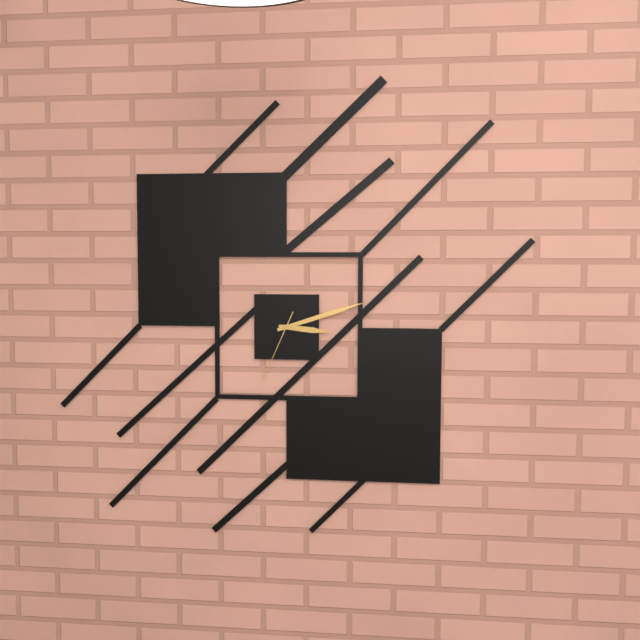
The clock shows 3:12:34
